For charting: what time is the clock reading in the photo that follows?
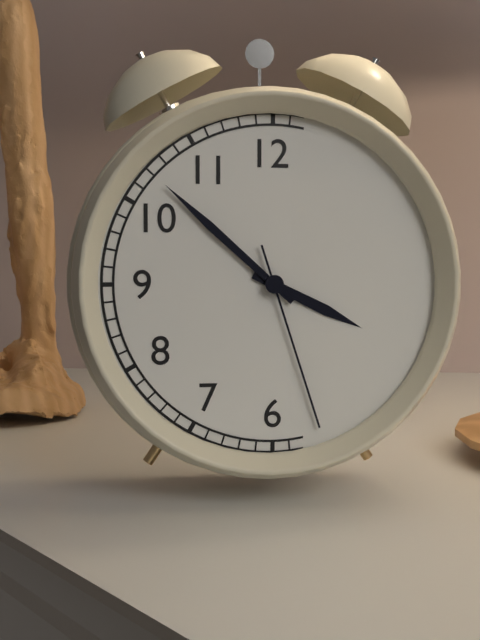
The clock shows 3:52:27
